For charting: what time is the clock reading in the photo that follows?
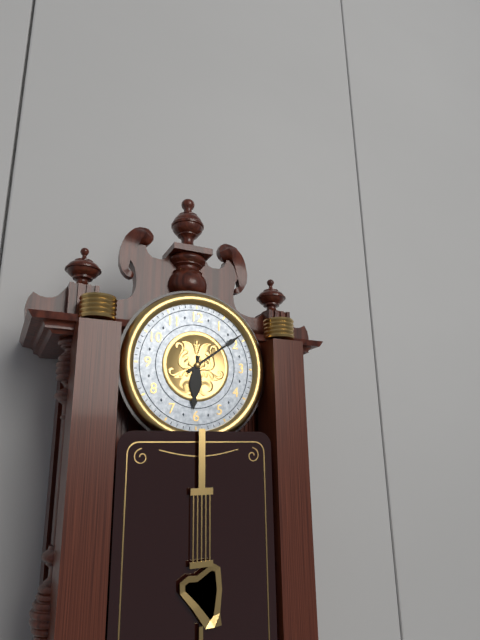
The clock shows 6:09
